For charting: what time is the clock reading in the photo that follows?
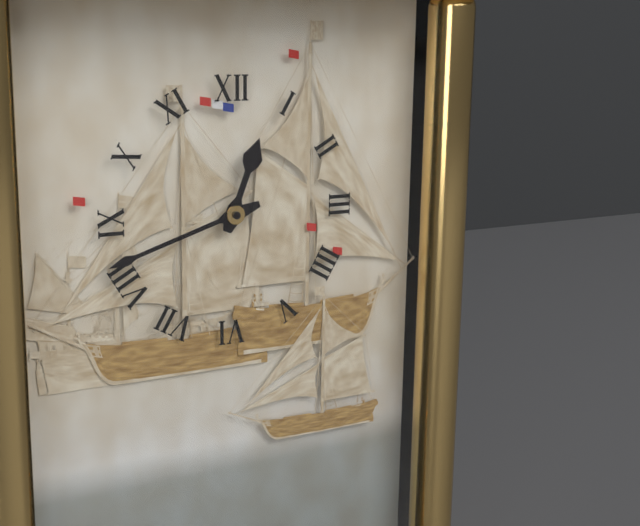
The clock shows 12:42
